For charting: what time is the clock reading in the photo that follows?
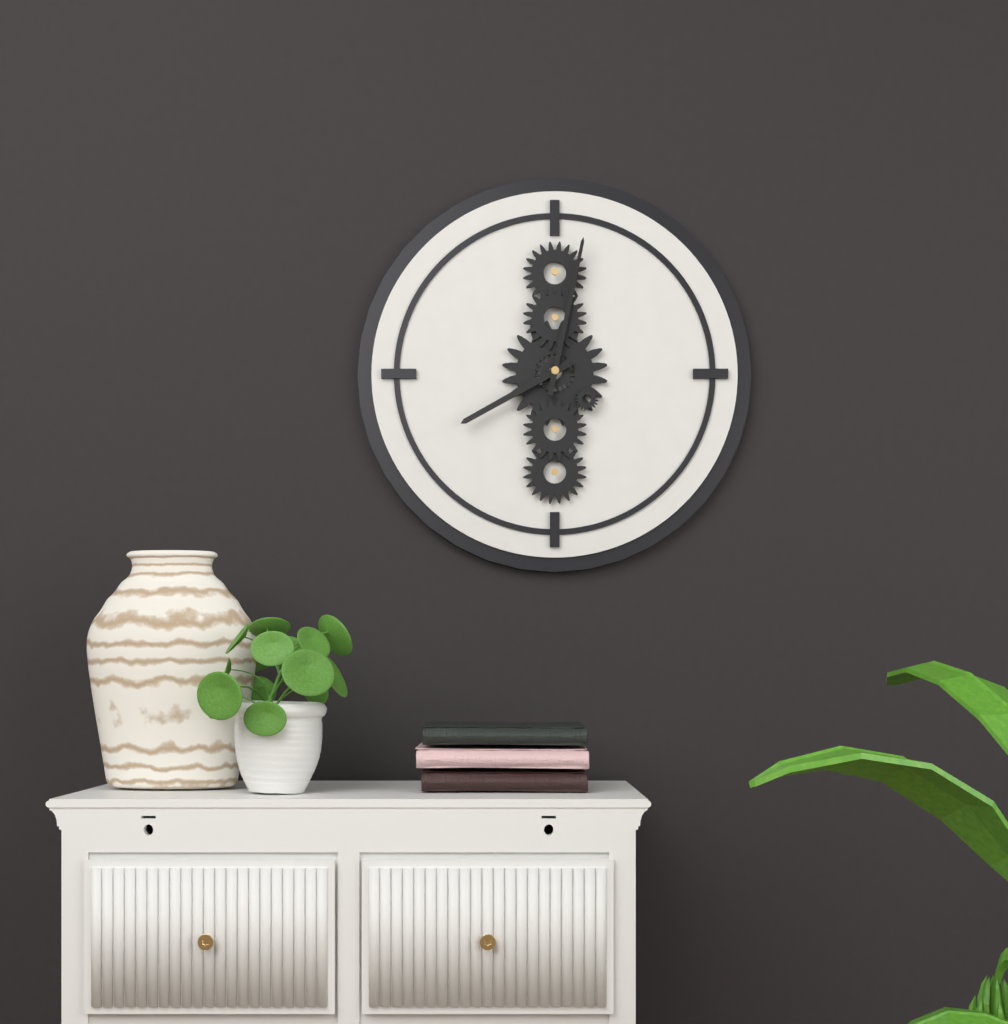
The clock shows 8:02
